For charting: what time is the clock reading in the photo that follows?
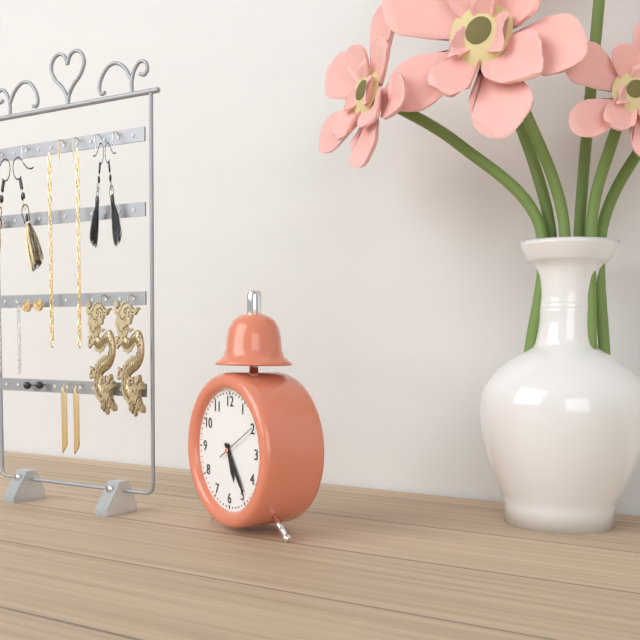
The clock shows 5:24
